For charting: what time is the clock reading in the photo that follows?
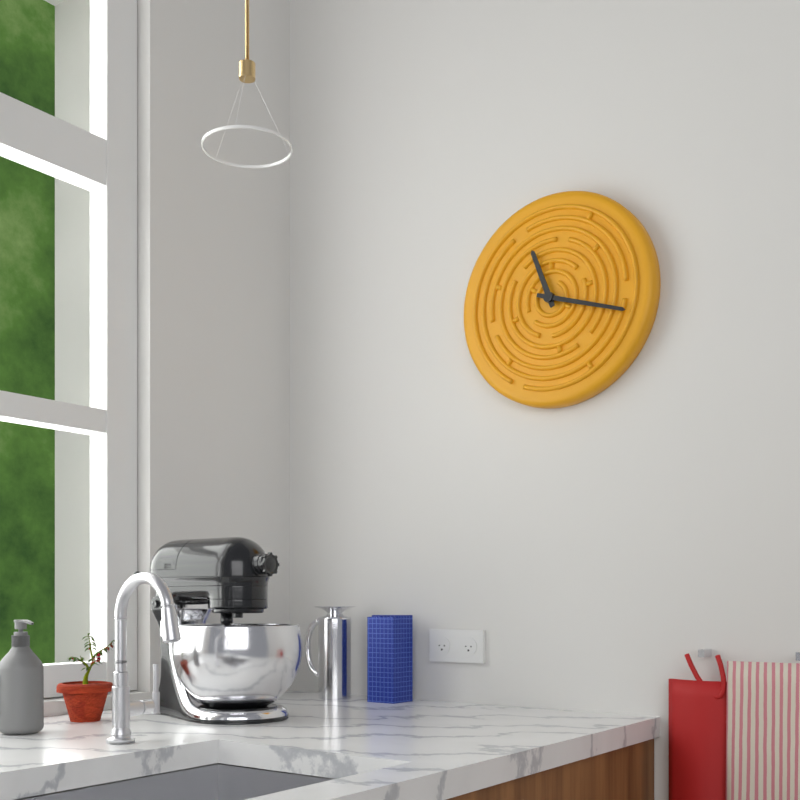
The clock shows 11:18
